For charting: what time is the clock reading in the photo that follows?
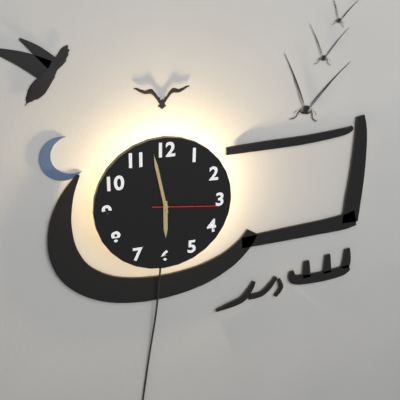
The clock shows 5:58:16
